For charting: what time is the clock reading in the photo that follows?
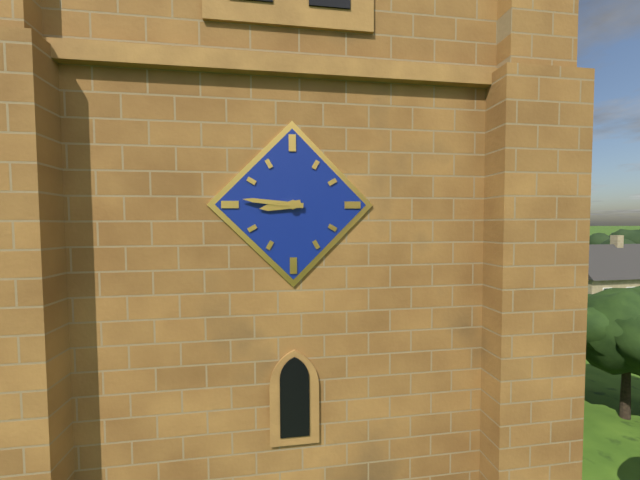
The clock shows 8:46
